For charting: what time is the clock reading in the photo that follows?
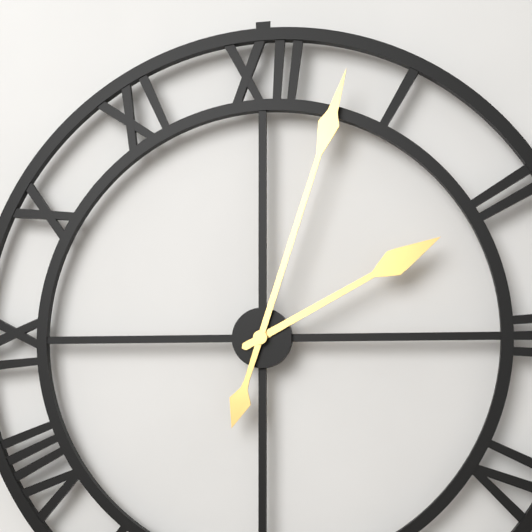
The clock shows 2:03
